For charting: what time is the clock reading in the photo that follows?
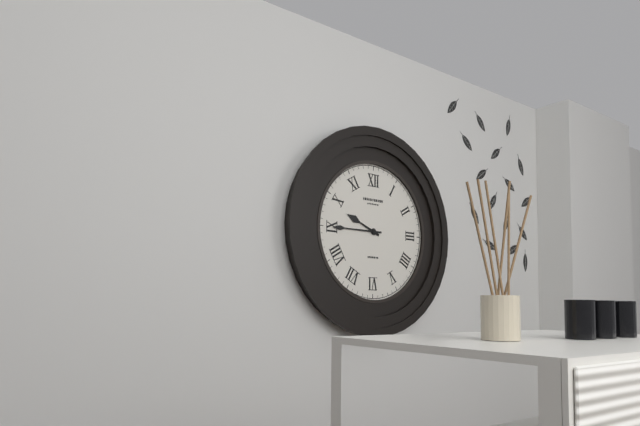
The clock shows 9:45
